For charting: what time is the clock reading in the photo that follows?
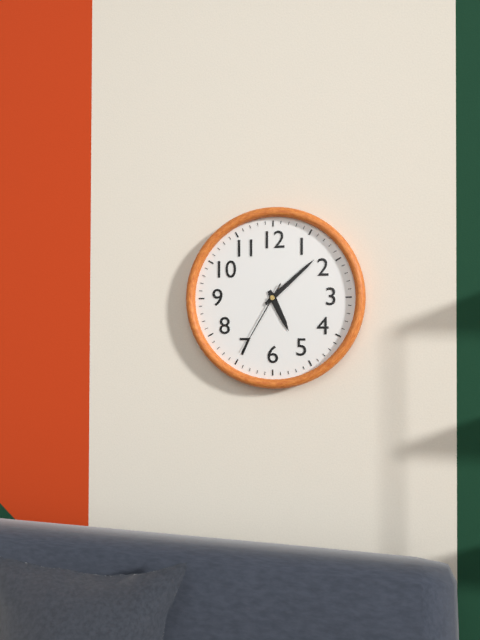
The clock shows 5:08:35
